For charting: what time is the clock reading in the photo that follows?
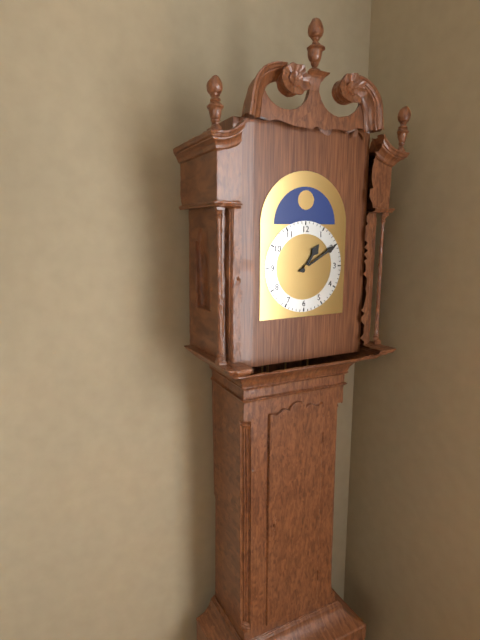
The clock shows 1:10
